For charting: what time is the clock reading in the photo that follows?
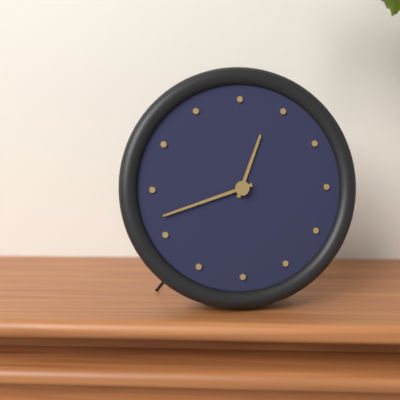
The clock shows 12:42
